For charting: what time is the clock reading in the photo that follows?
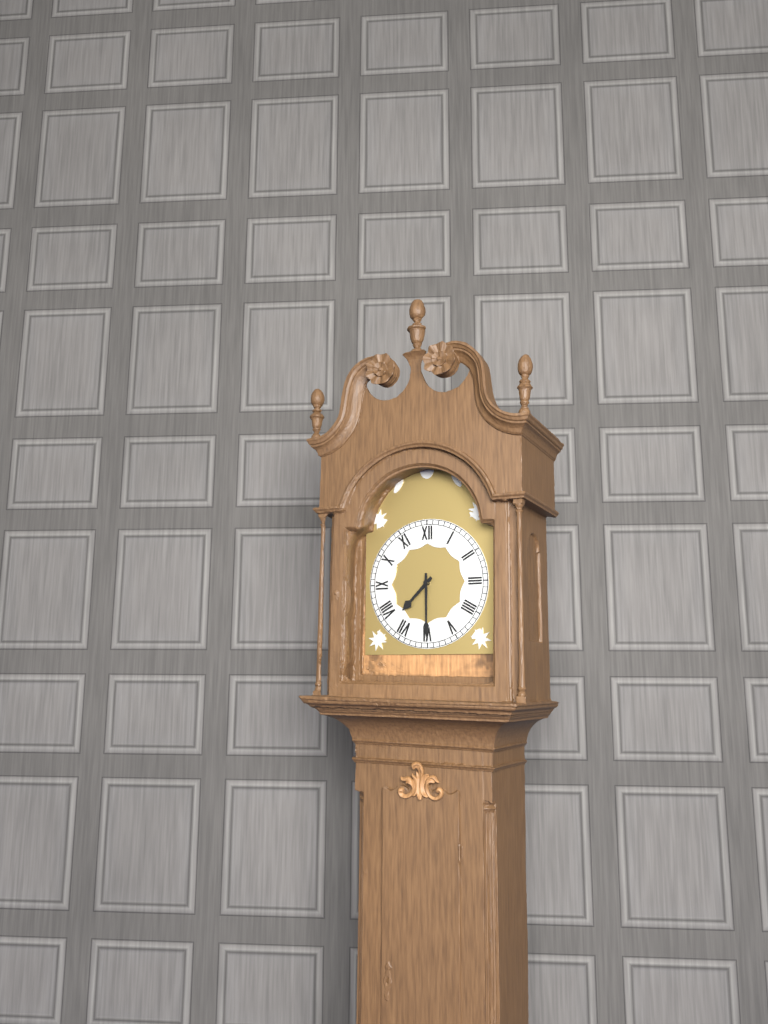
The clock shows 7:30
